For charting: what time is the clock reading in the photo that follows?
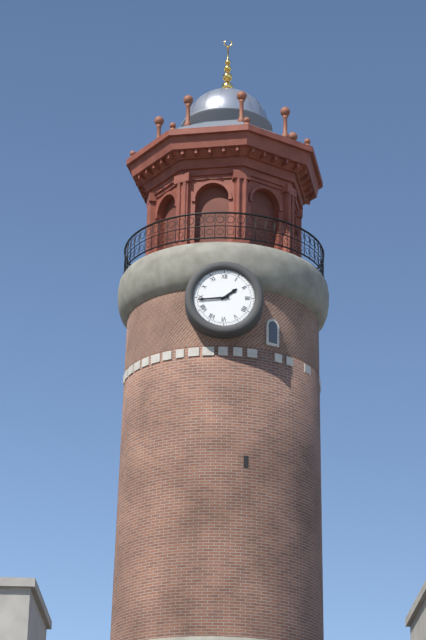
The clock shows 1:44
